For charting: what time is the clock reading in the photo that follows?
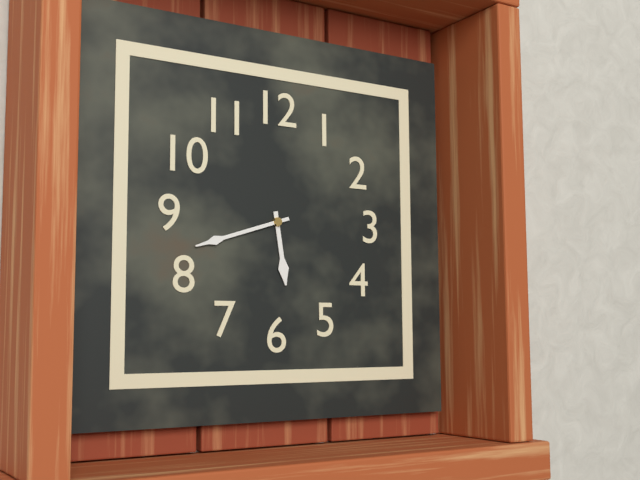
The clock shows 5:42
